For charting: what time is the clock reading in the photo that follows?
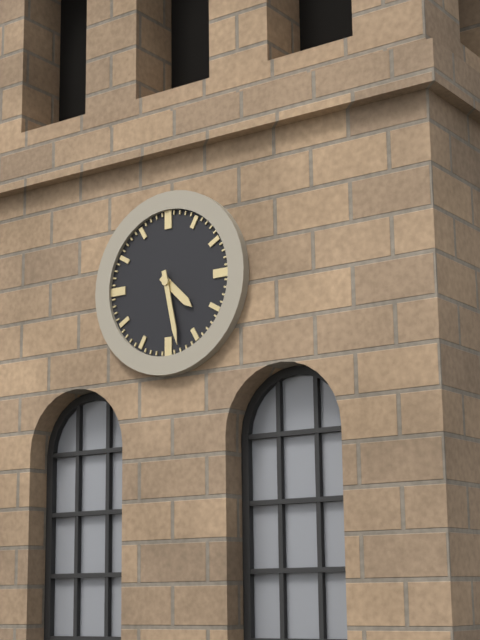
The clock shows 4:28
